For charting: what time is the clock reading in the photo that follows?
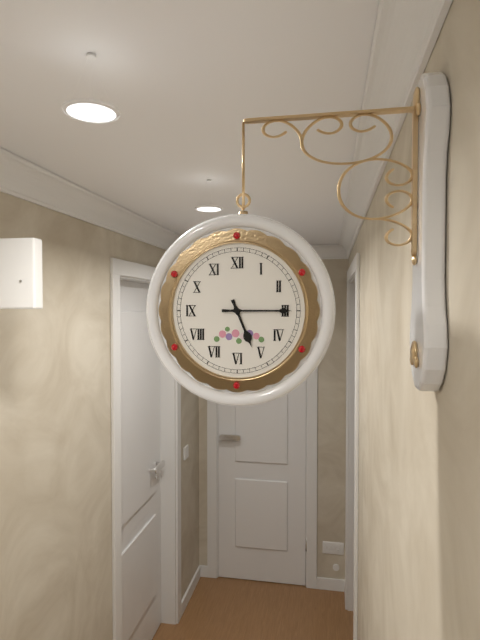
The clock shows 5:15
